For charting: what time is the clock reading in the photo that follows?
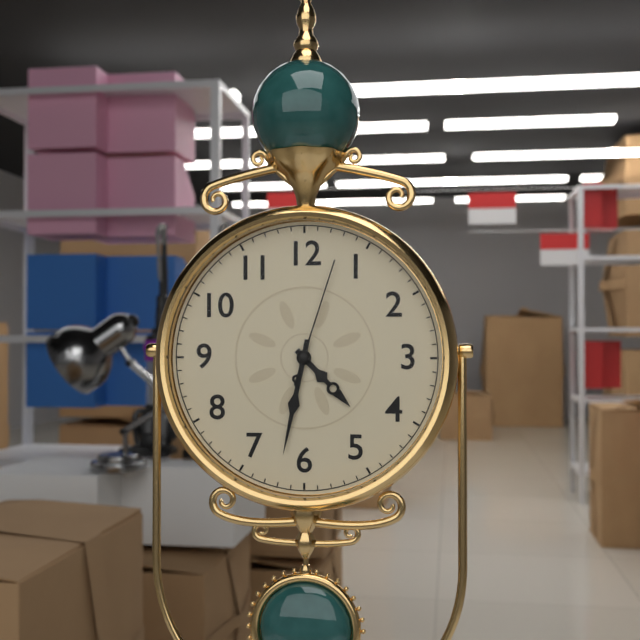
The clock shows 4:32:03
